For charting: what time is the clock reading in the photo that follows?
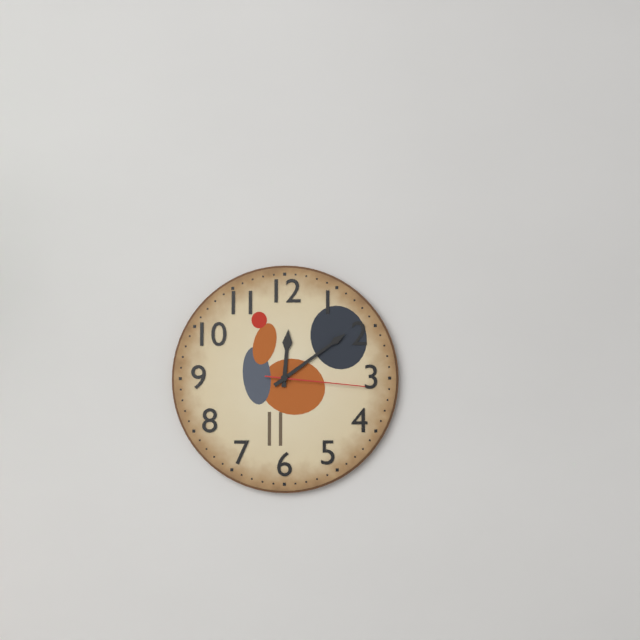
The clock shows 12:09:16
